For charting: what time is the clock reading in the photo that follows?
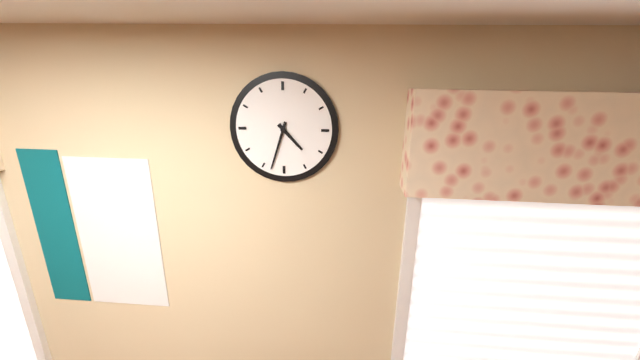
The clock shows 4:33
